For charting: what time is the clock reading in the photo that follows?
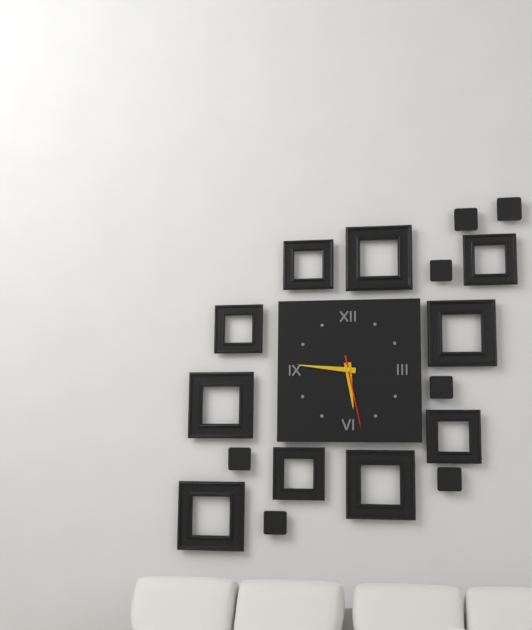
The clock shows 5:46:28
